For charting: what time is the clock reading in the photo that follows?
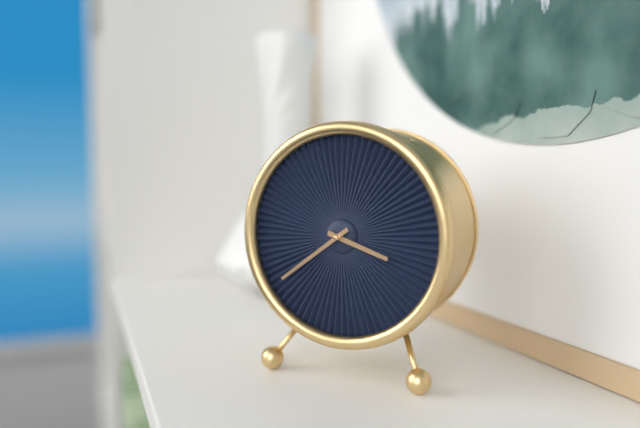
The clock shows 3:39
